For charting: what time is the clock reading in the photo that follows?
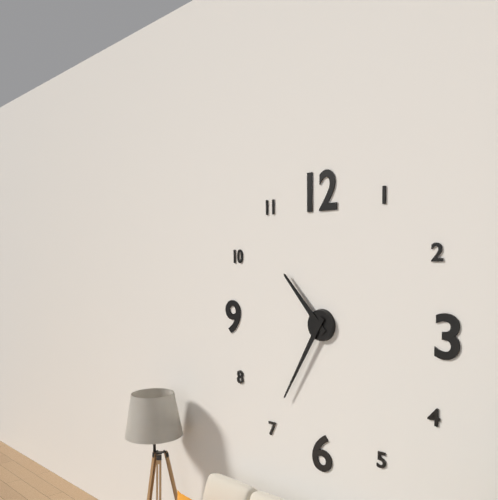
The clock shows 10:35
